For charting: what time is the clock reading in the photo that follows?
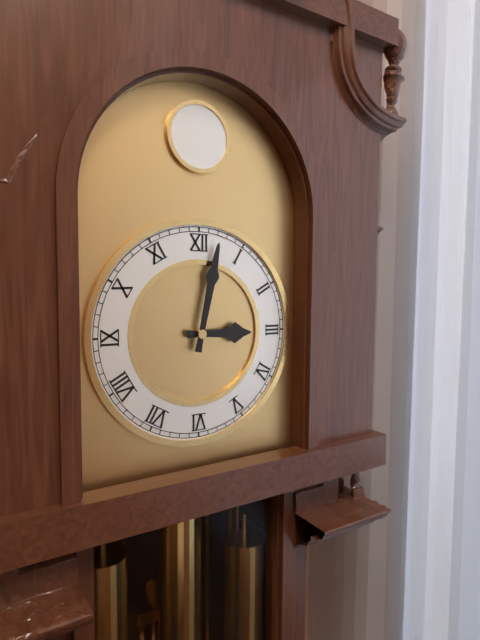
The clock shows 3:02
